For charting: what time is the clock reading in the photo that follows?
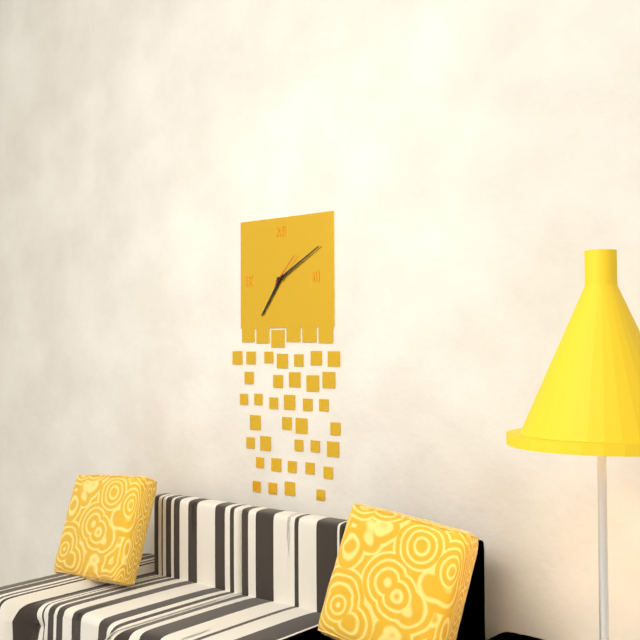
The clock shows 7:10
